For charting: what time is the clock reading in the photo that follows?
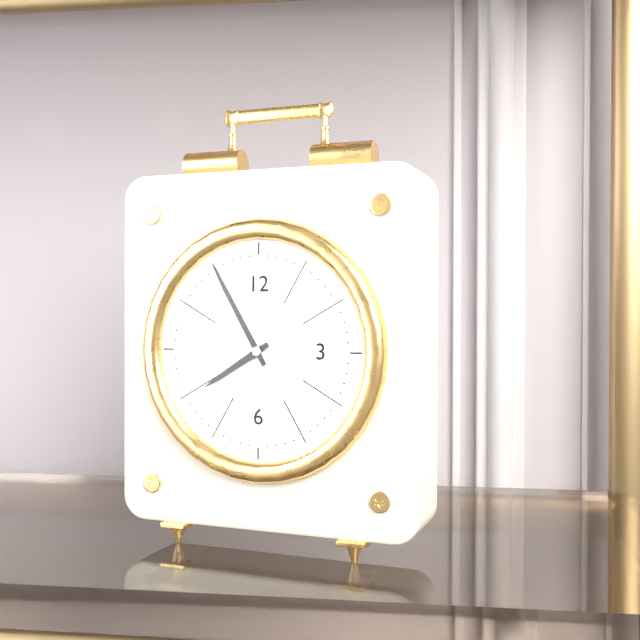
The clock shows 7:55
